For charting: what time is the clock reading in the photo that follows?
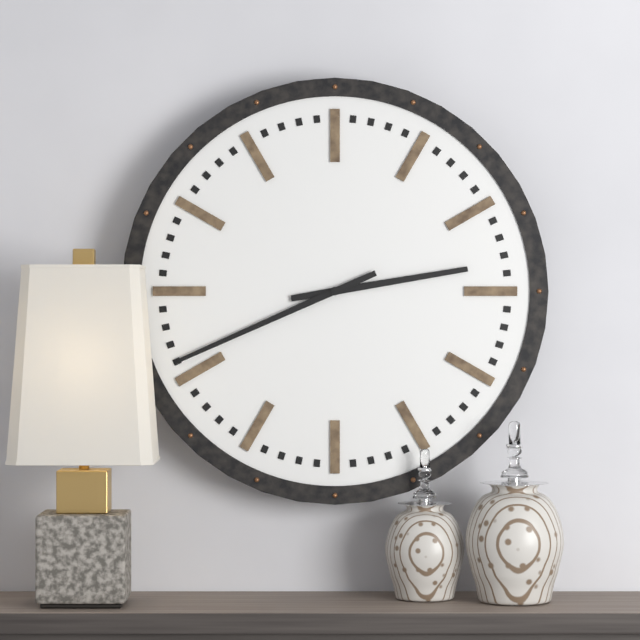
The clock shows 2:41
